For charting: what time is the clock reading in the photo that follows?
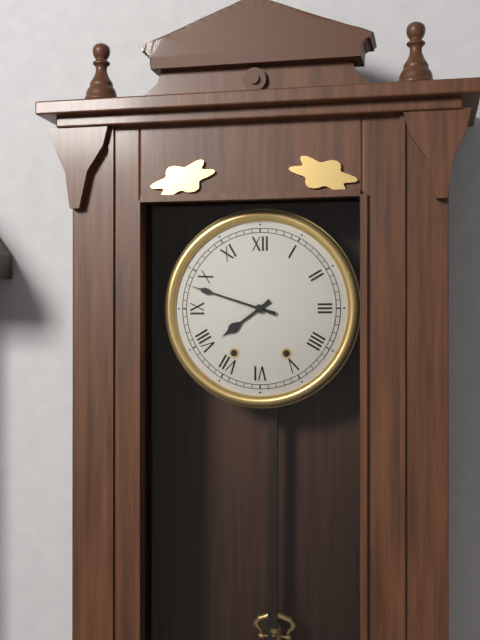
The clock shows 7:48
